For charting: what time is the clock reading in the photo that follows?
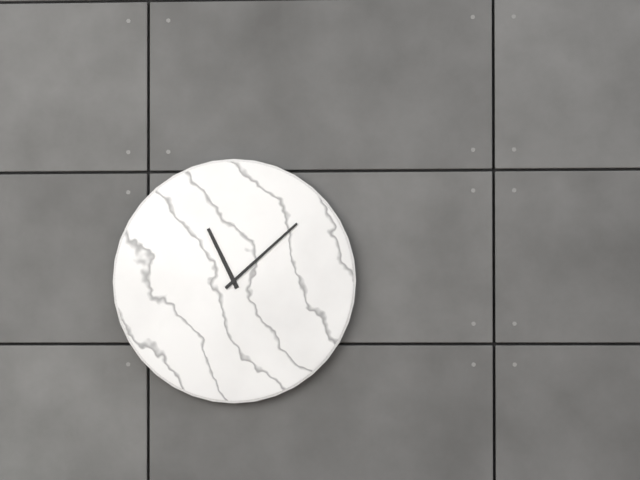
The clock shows 11:08
